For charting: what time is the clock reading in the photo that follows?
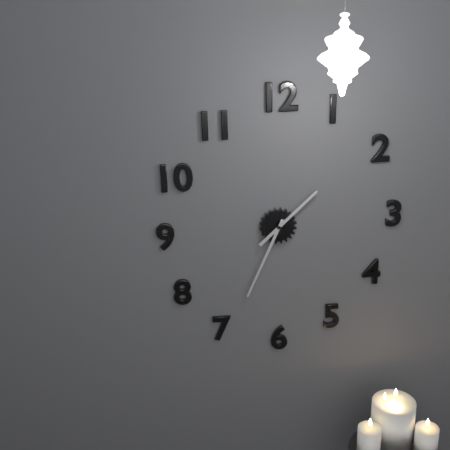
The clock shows 1:34
